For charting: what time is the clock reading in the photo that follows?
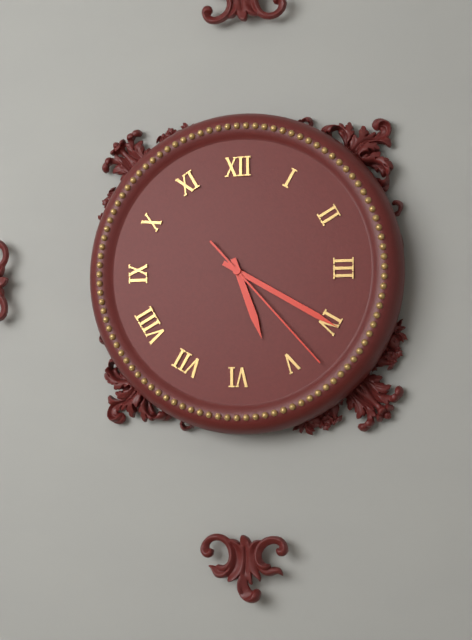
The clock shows 5:20:23
